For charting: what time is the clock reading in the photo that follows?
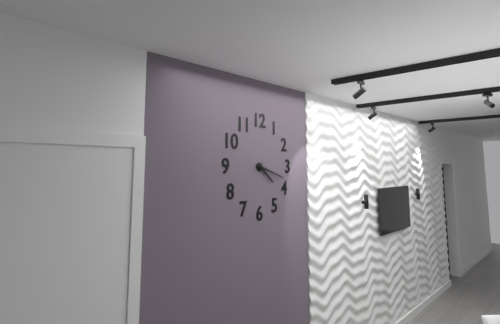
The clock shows 4:18
